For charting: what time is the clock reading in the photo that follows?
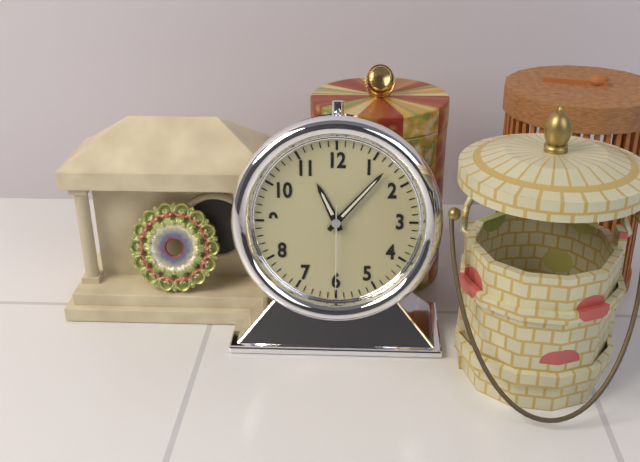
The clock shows 11:07:30
